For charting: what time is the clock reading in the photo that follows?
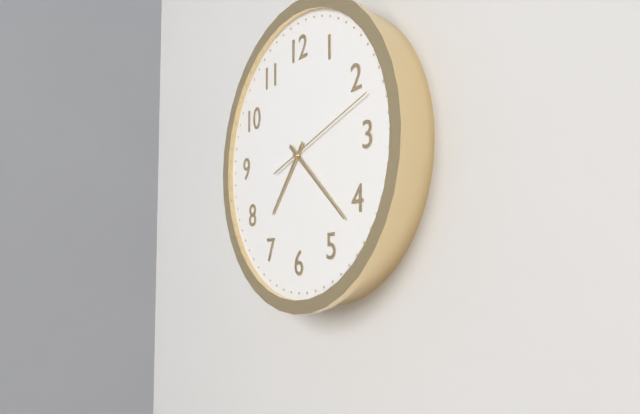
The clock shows 7:22:12
